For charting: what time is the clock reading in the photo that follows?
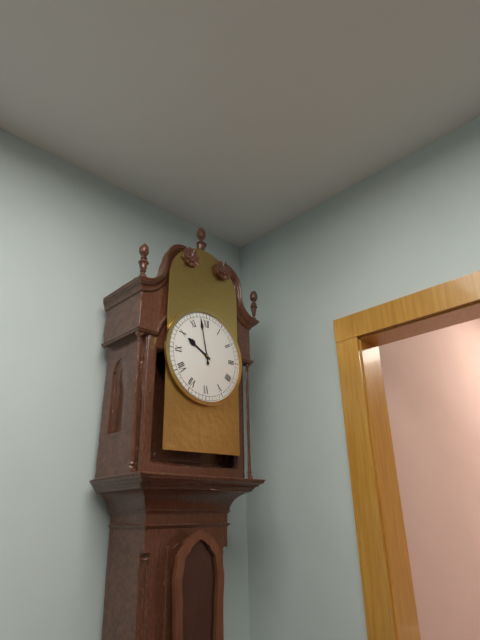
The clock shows 9:58
